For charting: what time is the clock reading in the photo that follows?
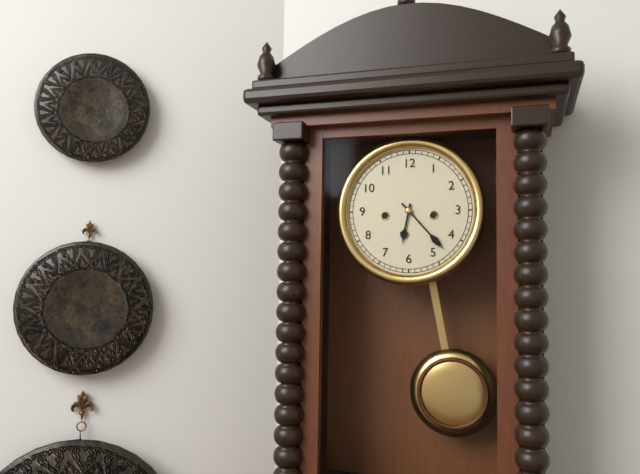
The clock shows 6:23
